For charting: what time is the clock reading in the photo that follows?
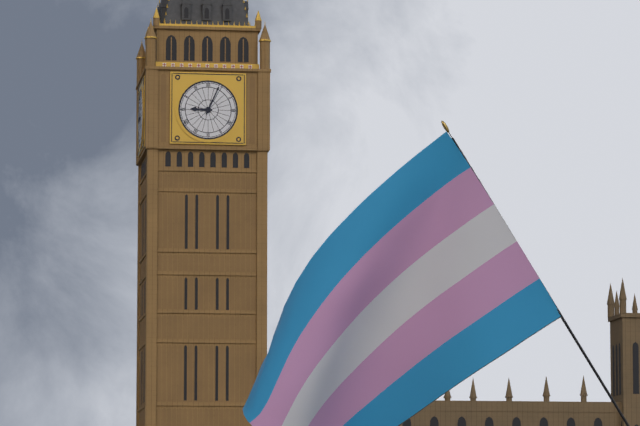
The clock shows 9:04
